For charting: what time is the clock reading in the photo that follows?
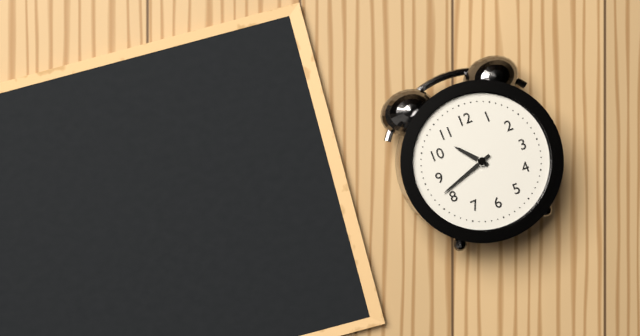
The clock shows 10:42
